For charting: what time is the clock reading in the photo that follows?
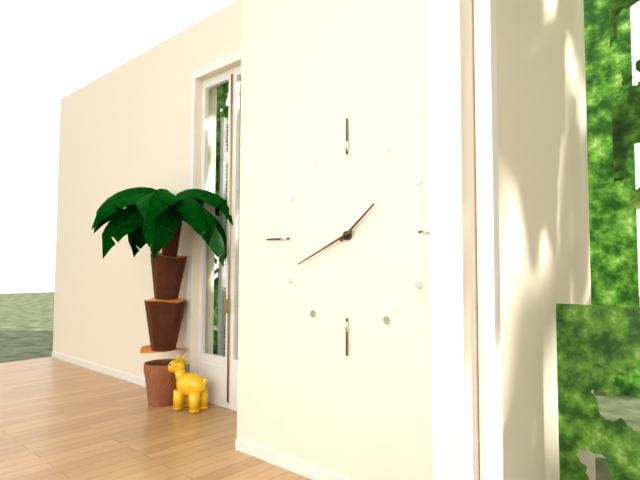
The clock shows 1:41
